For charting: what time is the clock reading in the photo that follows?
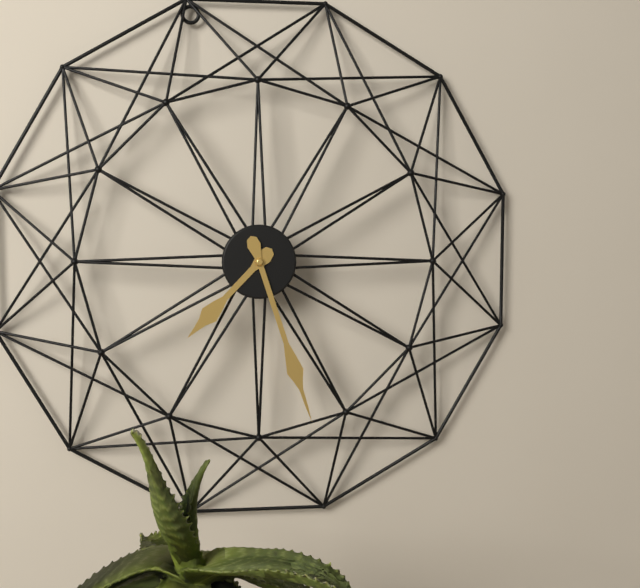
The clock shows 7:27
